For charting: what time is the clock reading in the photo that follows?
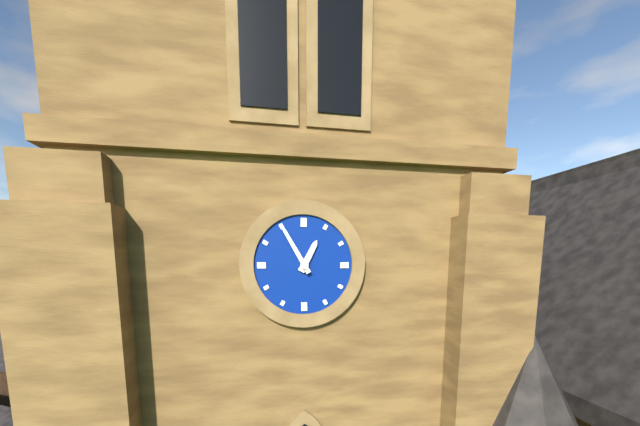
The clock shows 12:55
